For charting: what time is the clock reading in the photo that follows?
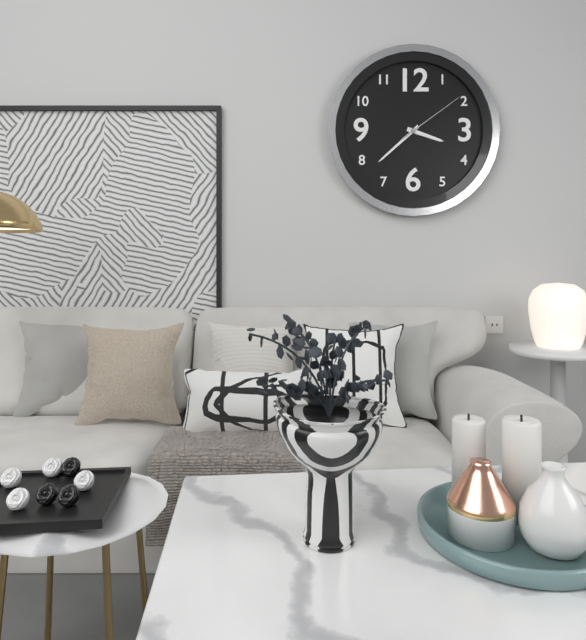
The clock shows 3:38:09
